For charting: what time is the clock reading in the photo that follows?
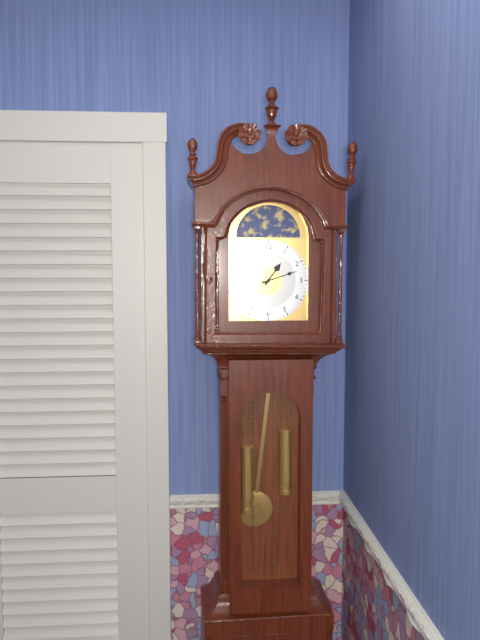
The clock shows 1:12
